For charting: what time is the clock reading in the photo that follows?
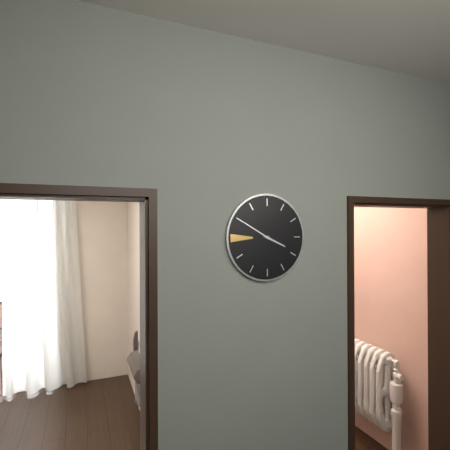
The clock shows 3:50
